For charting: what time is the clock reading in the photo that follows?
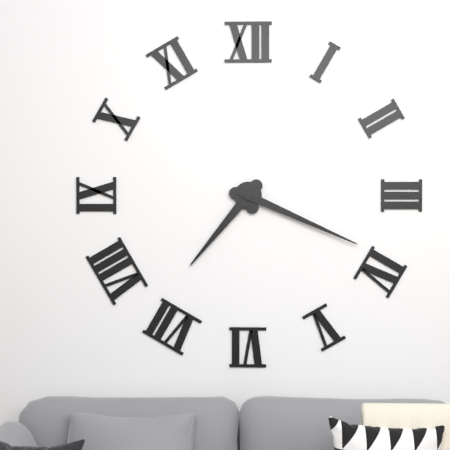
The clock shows 7:19
